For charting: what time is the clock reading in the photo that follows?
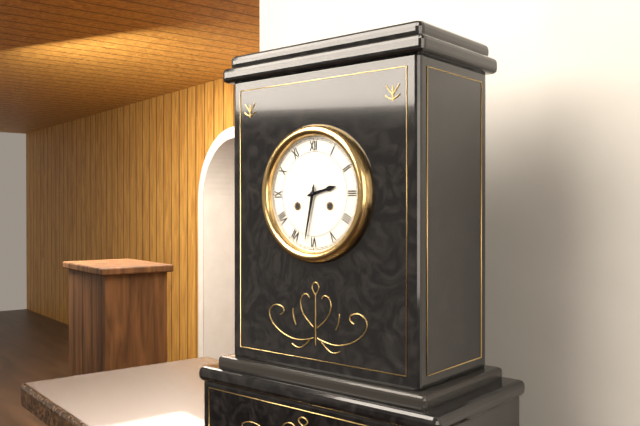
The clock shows 2:32
